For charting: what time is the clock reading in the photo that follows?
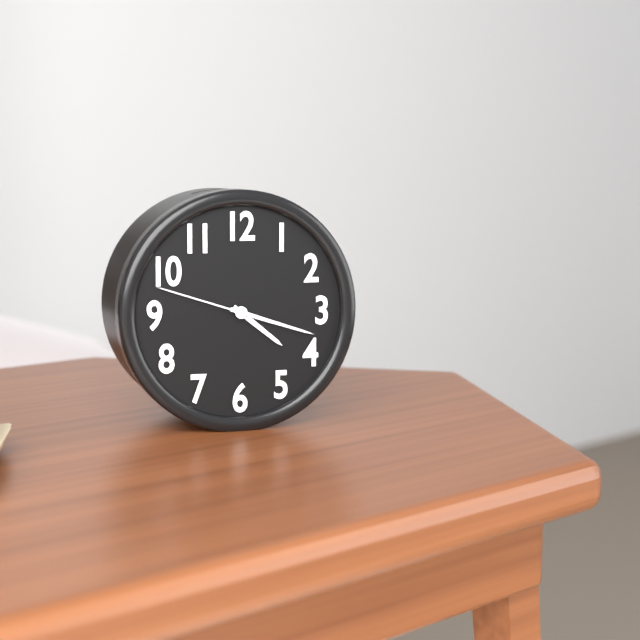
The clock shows 4:18:48
